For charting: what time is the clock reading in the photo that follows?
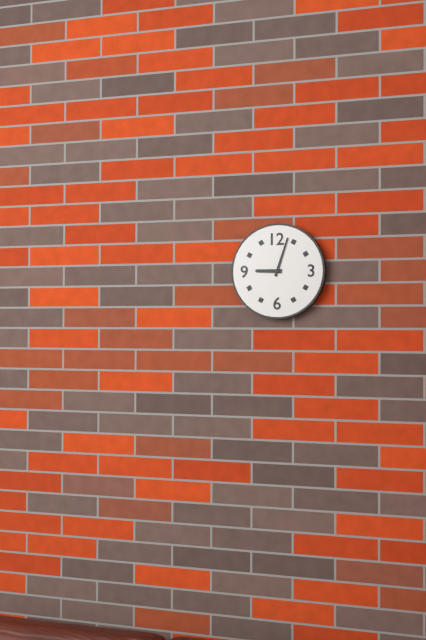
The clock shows 9:03
